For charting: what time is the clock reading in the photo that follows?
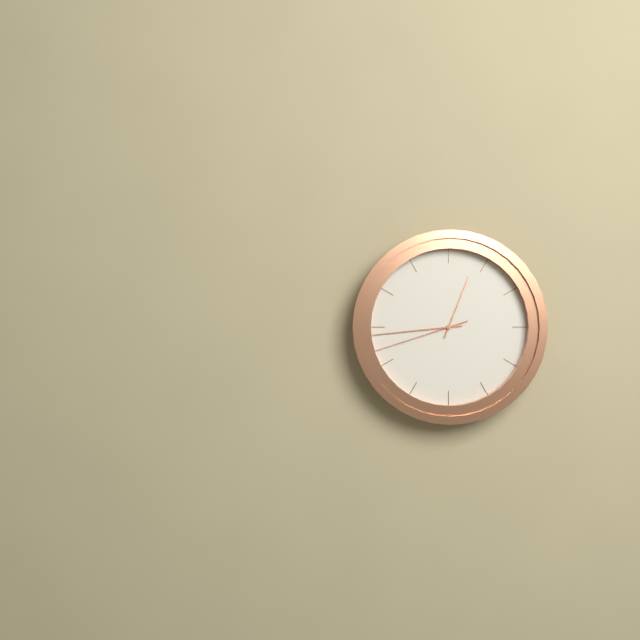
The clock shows 12:44:42
